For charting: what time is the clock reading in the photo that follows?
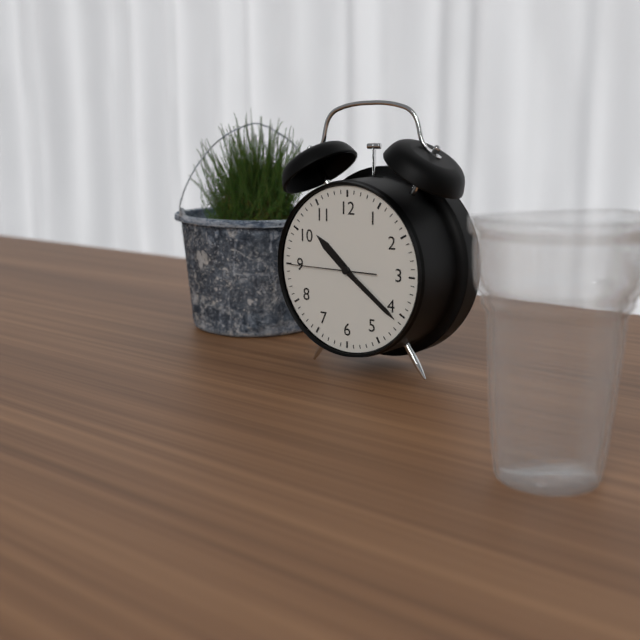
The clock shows 10:21:45
